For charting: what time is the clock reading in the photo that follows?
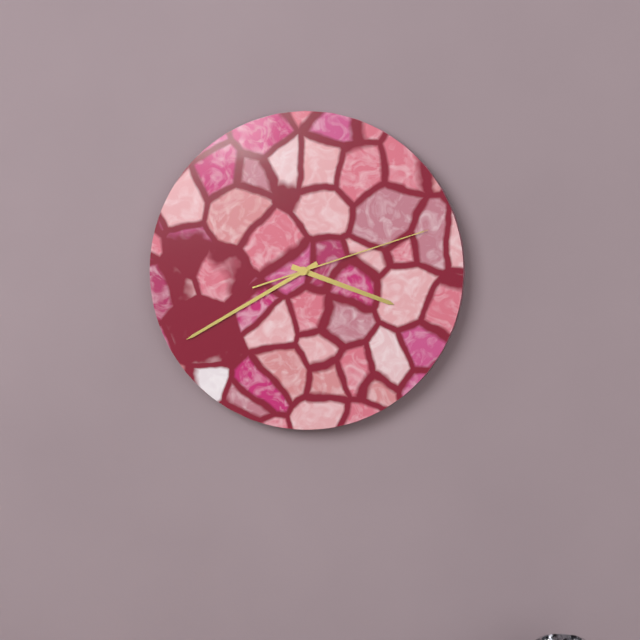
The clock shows 3:40:12
